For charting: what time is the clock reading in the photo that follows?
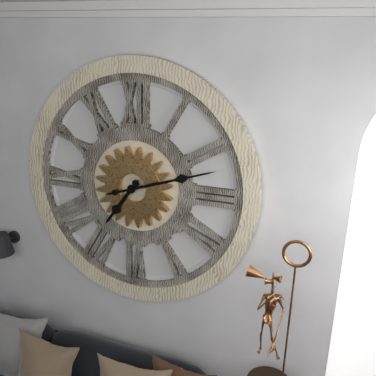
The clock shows 7:12
